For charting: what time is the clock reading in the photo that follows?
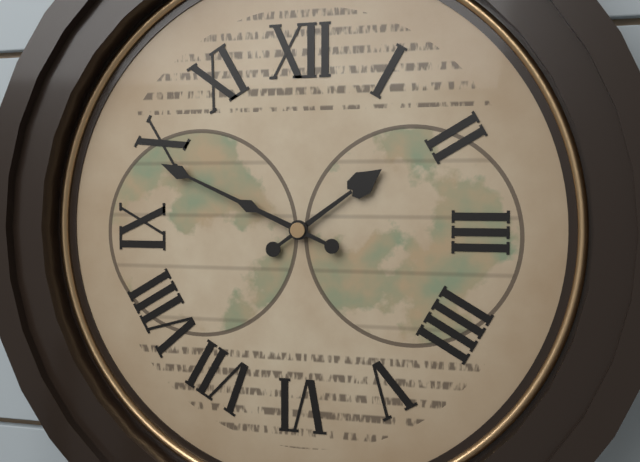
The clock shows 1:49
